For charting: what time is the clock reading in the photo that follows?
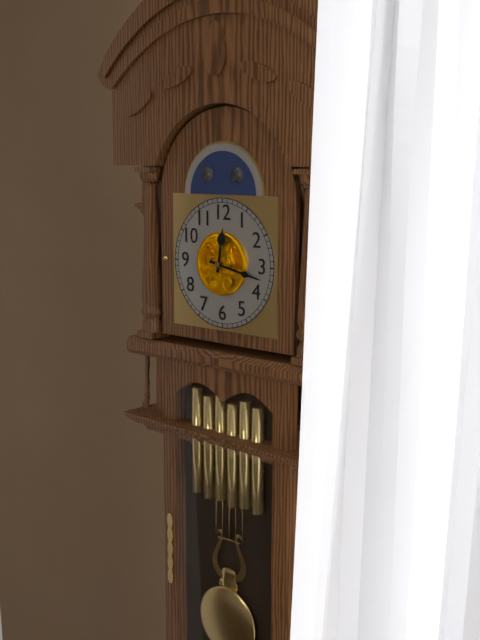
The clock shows 12:17
